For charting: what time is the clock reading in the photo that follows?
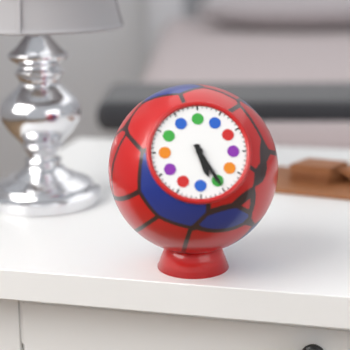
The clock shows 5:25
